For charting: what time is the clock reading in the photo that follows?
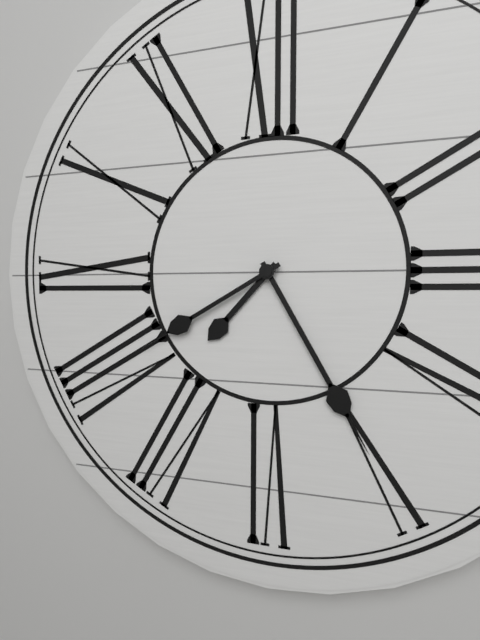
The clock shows 7:25:40
